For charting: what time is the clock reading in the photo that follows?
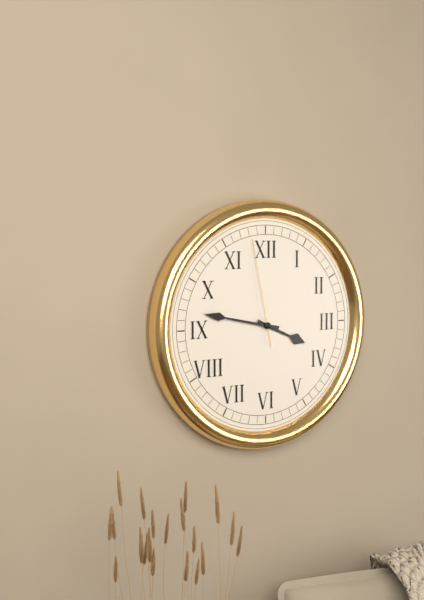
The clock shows 3:47:58
